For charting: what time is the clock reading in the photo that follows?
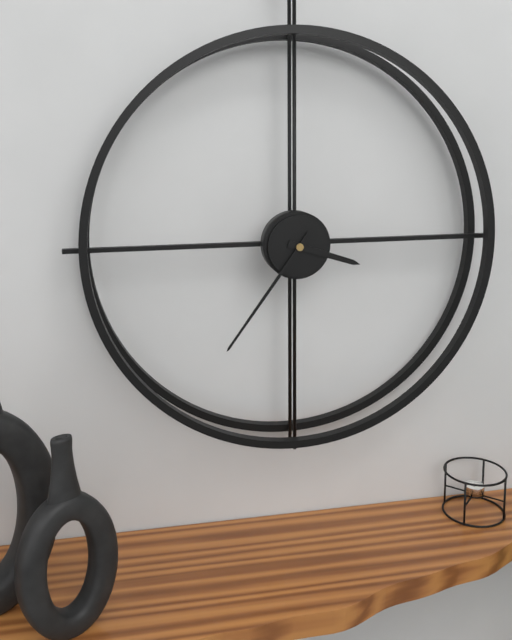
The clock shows 3:36
